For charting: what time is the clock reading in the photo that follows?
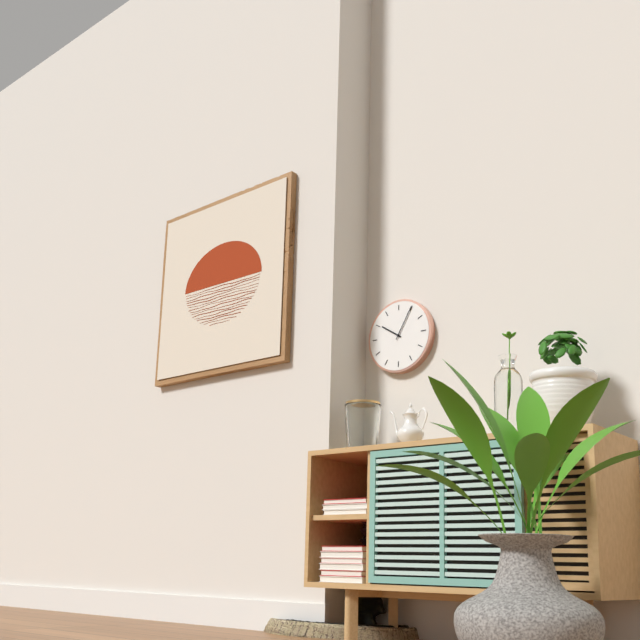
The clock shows 10:05
